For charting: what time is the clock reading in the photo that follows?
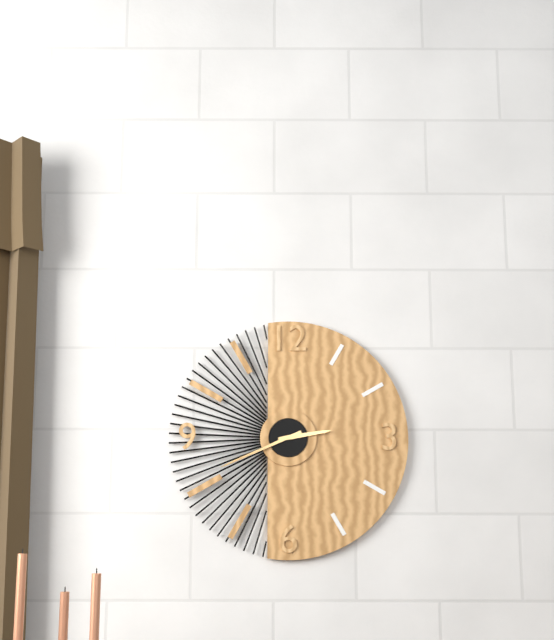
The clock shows 2:41
